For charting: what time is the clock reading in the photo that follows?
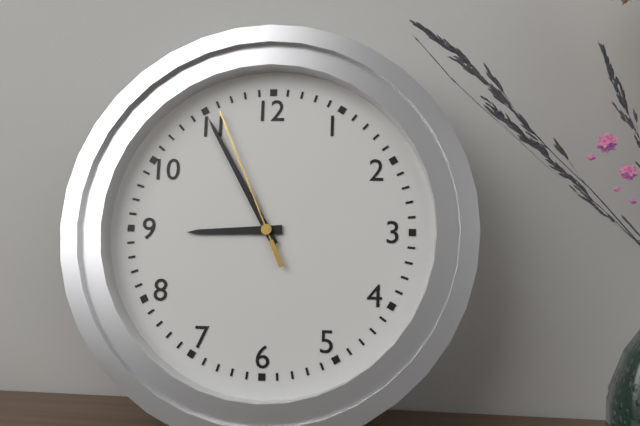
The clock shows 8:55:56
